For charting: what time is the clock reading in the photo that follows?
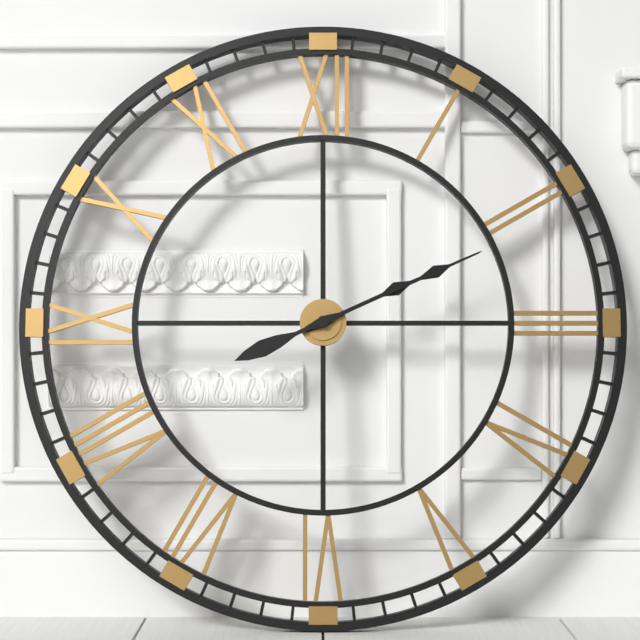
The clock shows 2:11
